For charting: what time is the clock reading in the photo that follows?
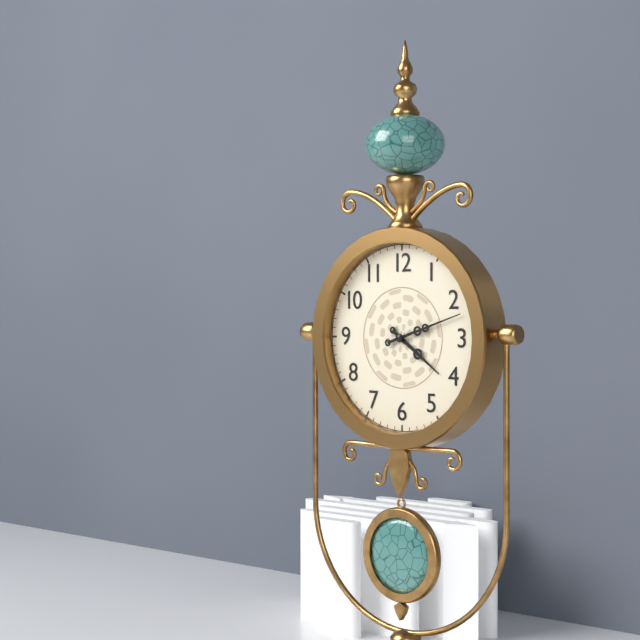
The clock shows 4:12
